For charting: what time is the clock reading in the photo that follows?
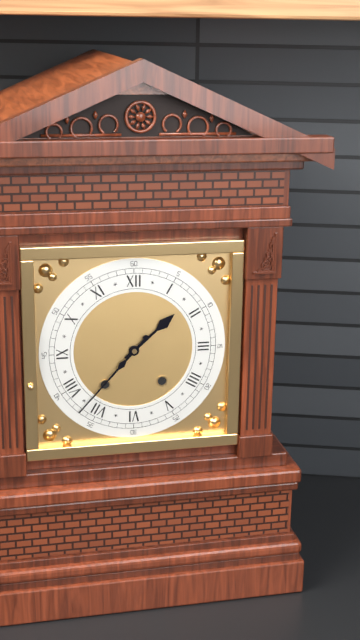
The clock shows 1:37
